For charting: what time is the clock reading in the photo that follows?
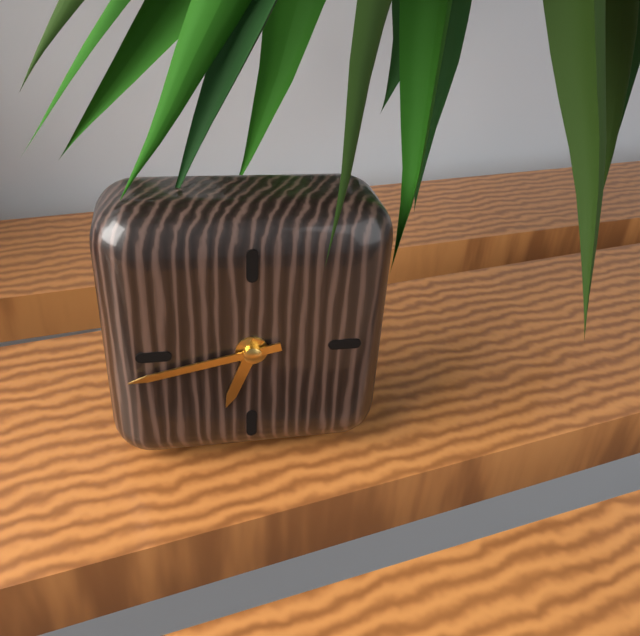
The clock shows 6:43
